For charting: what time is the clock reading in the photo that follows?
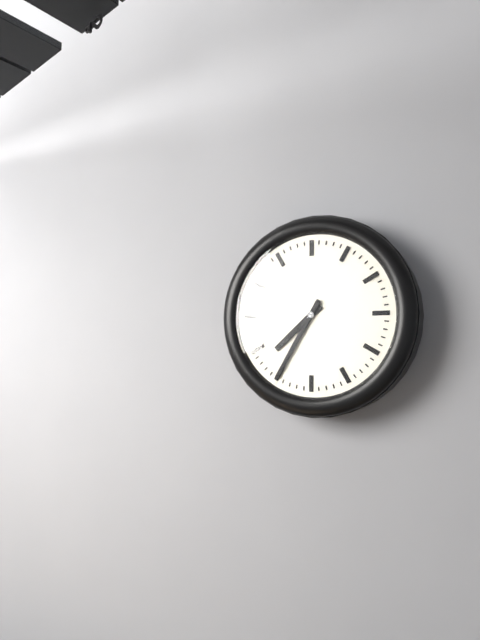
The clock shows 7:35
